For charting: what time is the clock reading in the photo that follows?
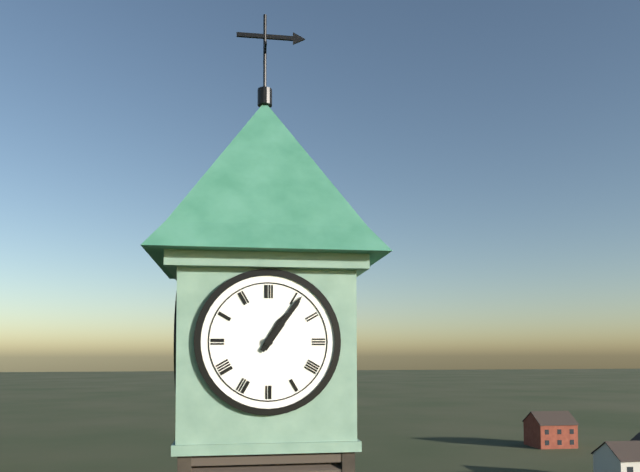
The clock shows 1:06
